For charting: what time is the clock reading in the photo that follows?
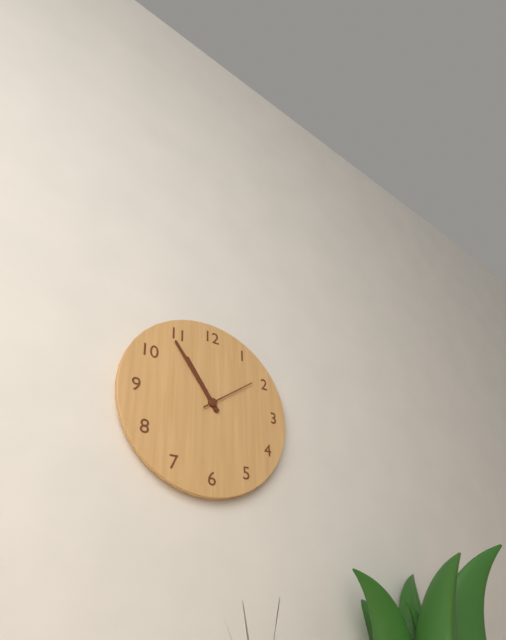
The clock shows 10:54:09
